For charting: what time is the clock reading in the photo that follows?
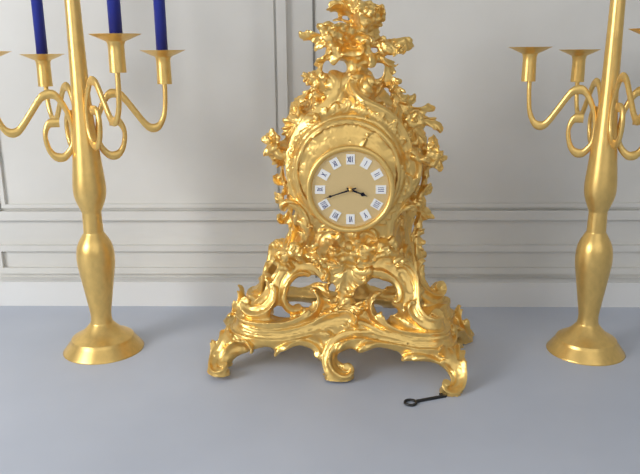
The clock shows 3:42
